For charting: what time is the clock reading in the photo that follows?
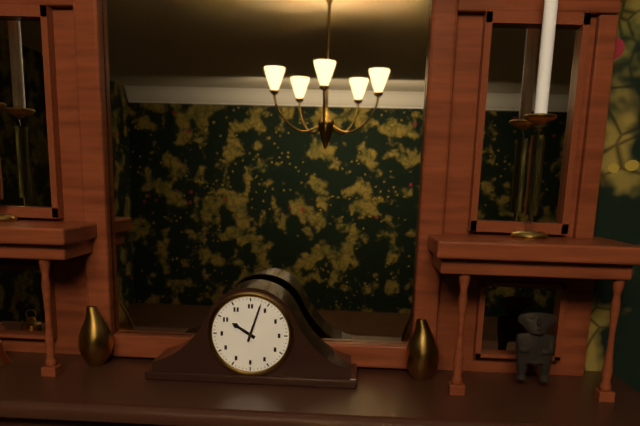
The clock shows 10:03
